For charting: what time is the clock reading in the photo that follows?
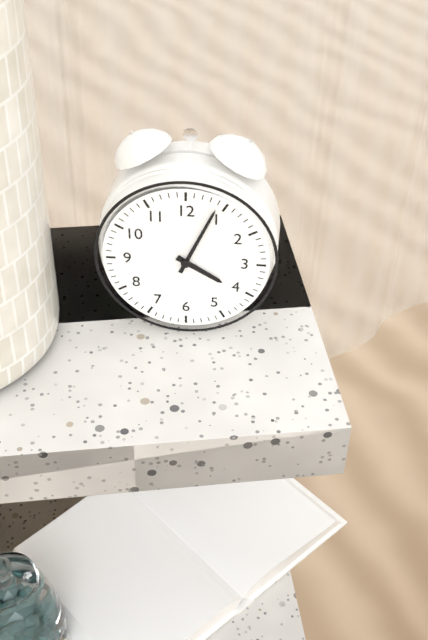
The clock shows 4:04
